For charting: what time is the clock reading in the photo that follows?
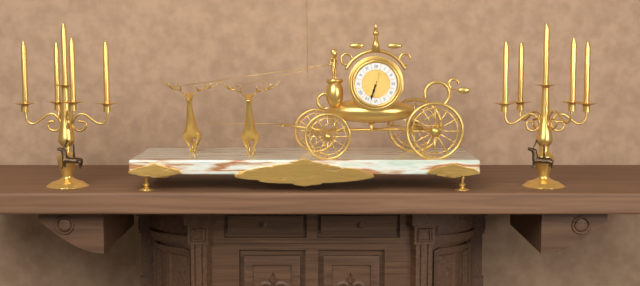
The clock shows 6:33
